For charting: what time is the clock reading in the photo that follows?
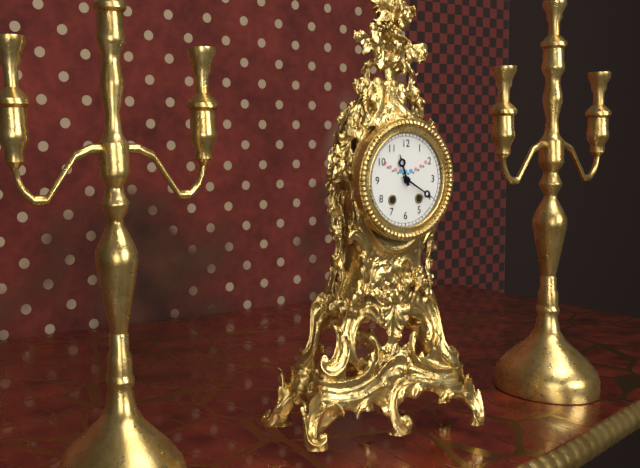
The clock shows 11:20
